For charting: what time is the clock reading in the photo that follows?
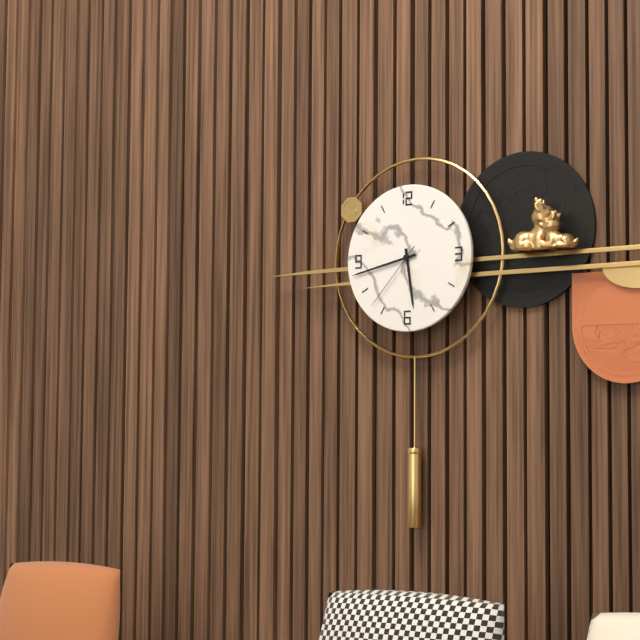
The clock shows 5:43:37
